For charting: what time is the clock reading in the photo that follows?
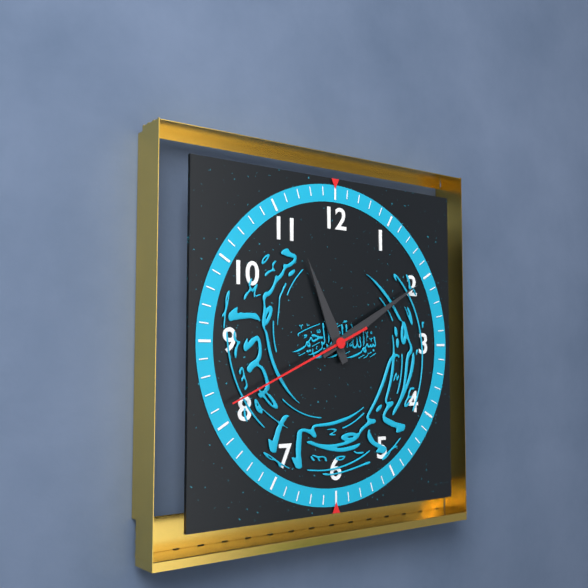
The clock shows 11:10:41
